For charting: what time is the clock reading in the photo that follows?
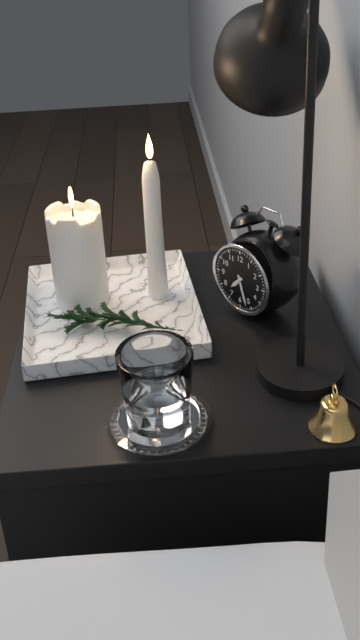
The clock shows 7:27
